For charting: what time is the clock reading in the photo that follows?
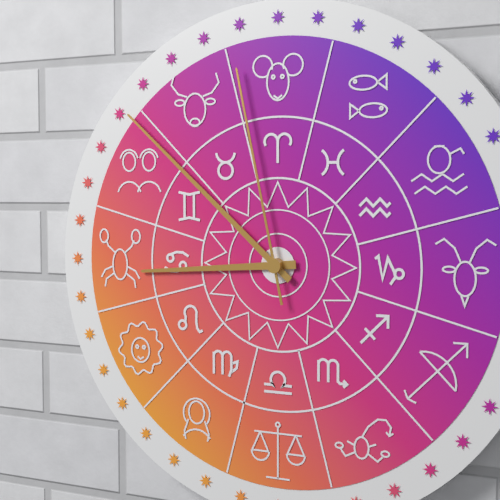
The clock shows 8:52:58
